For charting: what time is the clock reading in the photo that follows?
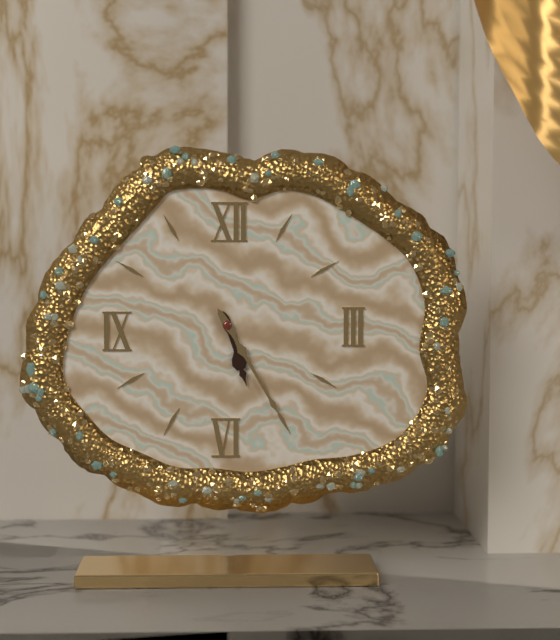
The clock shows 5:25
